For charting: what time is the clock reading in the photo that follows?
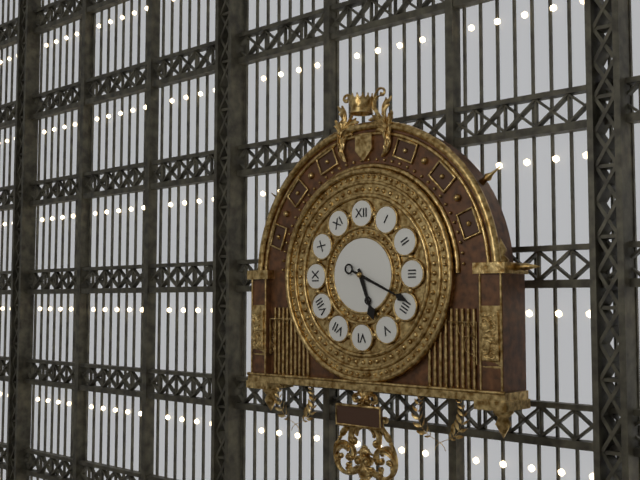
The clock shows 5:19
